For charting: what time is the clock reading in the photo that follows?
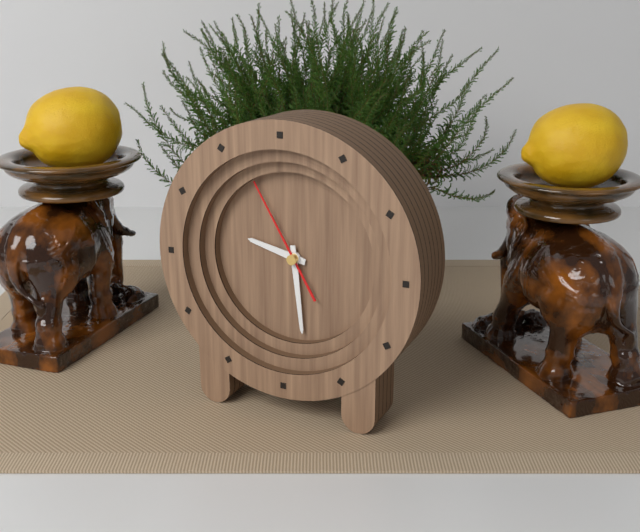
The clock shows 9:29:55
